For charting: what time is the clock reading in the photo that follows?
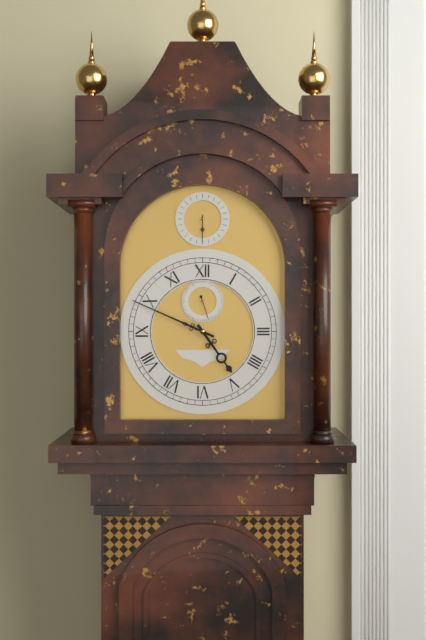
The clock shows 4:49
